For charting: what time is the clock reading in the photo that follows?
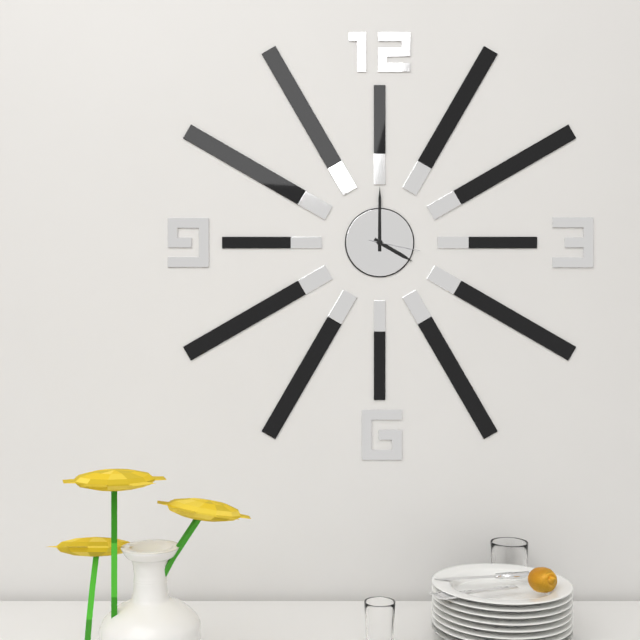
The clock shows 4:00:17
